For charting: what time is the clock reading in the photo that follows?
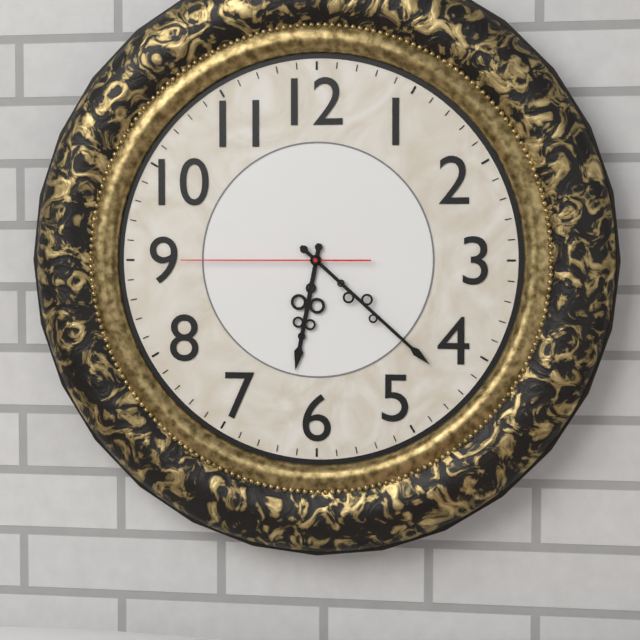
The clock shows 6:22:45
